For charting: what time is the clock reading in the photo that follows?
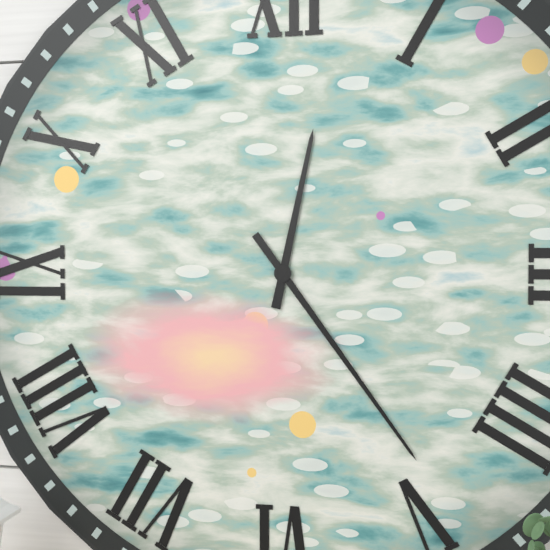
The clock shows 12:24
